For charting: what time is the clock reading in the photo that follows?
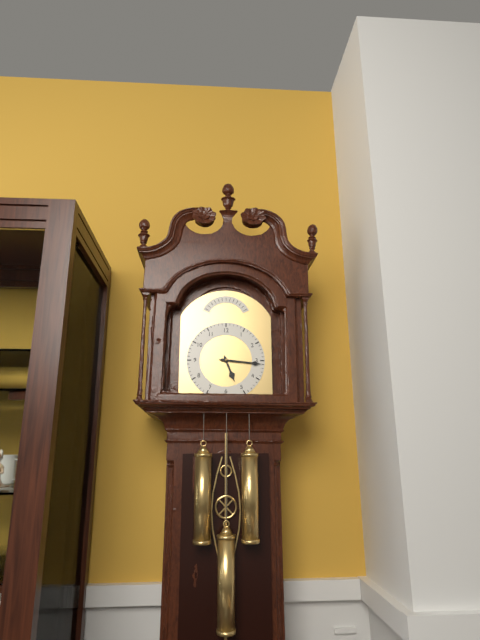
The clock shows 5:16
